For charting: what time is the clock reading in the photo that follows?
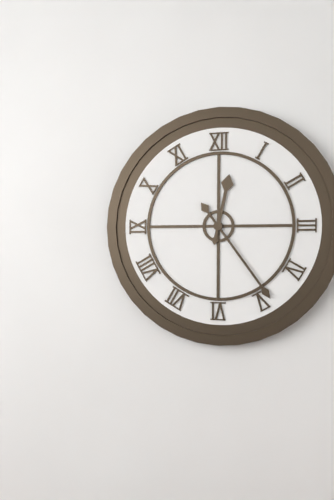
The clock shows 12:24
